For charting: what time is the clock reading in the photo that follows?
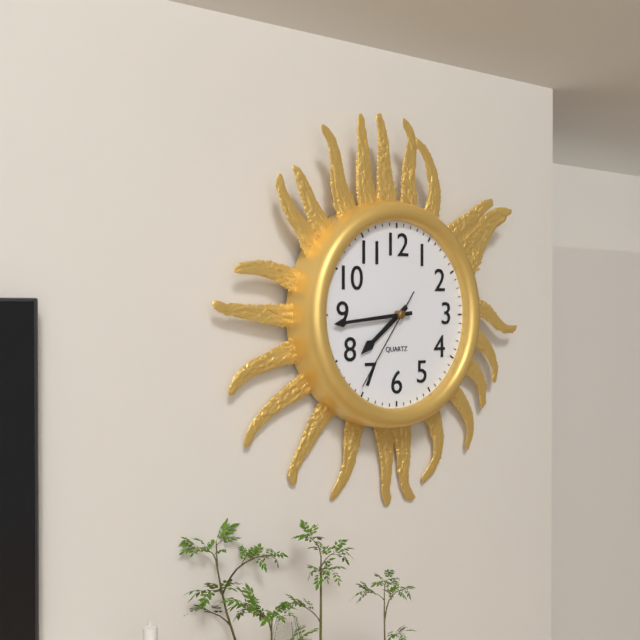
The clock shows 7:44:36
